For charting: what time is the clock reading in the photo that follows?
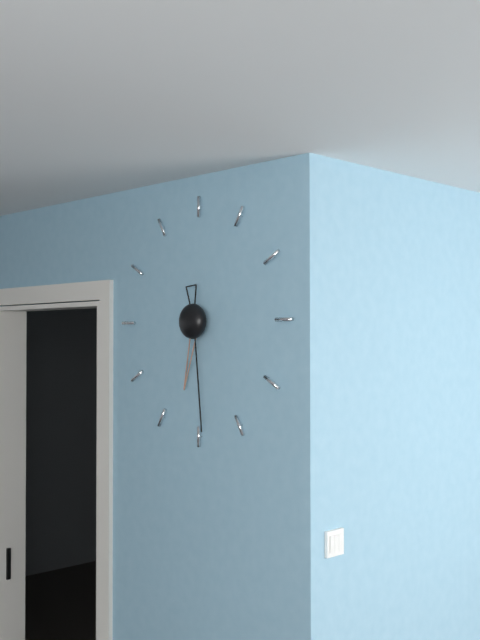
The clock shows 6:29
